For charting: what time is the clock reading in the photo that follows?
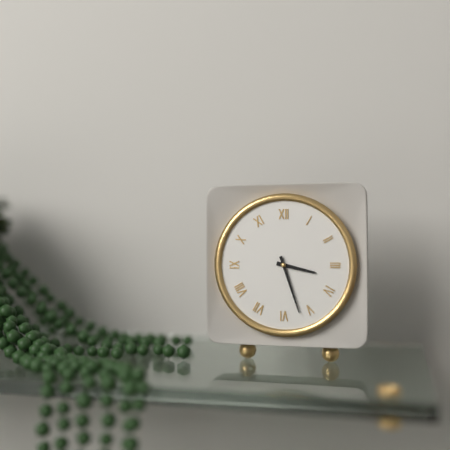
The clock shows 3:27
